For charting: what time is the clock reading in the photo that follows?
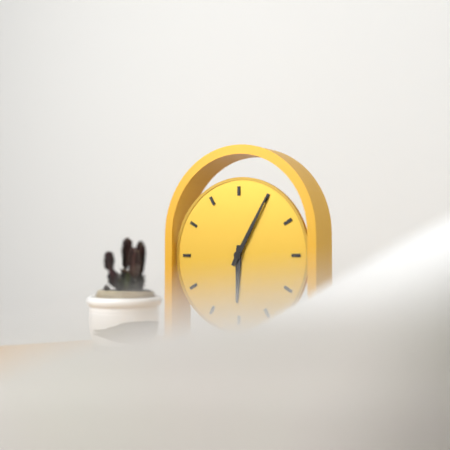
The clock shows 6:05
